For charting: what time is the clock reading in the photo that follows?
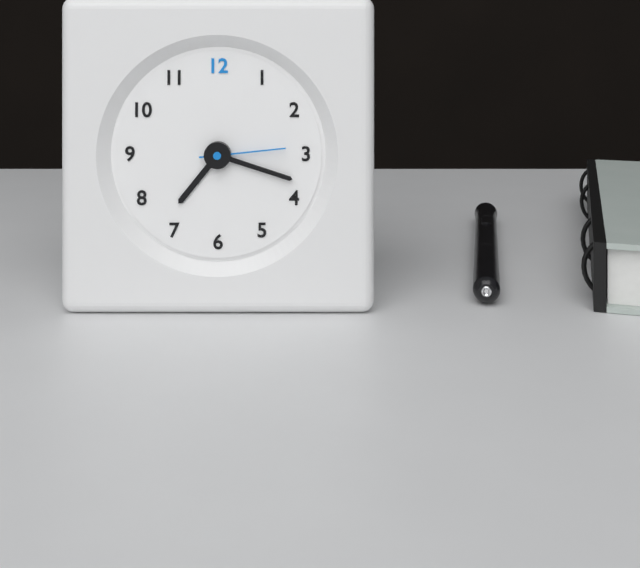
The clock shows 7:18:14
